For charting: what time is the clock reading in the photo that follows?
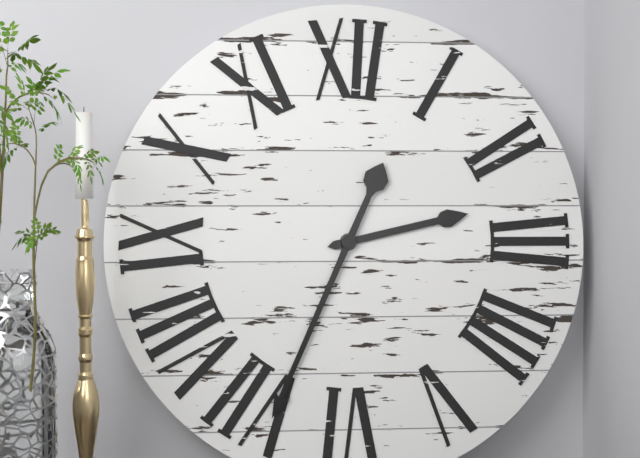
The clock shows 2:34
